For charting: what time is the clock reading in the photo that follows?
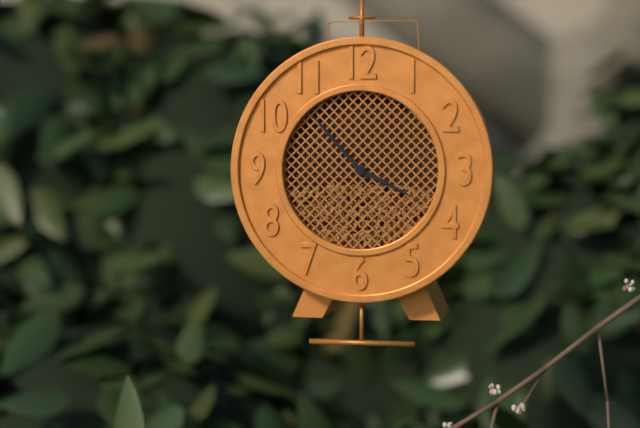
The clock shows 3:53
